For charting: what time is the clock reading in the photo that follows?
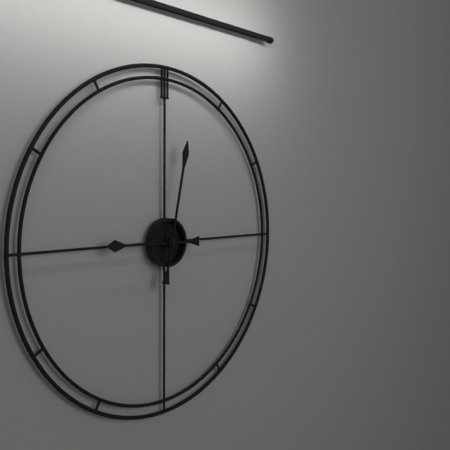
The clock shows 9:02
